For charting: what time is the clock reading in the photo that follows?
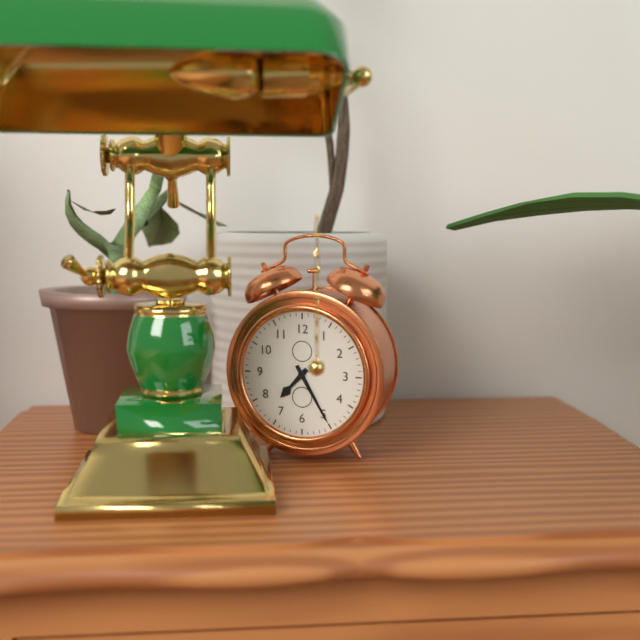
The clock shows 7:25
